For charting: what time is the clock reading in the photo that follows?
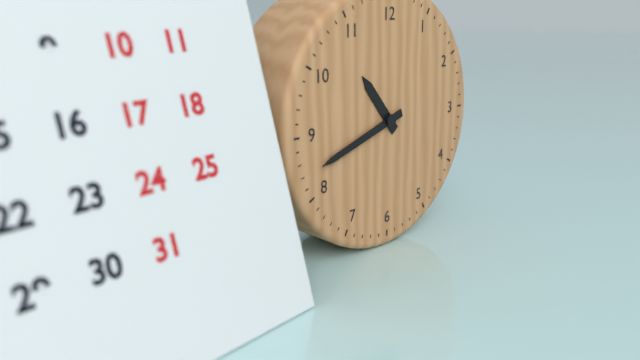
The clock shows 10:42
